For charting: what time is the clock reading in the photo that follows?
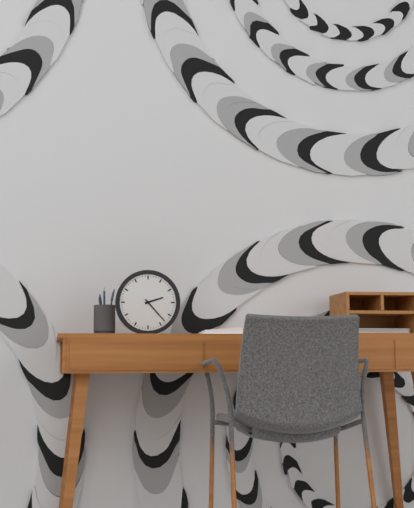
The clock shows 2:23
